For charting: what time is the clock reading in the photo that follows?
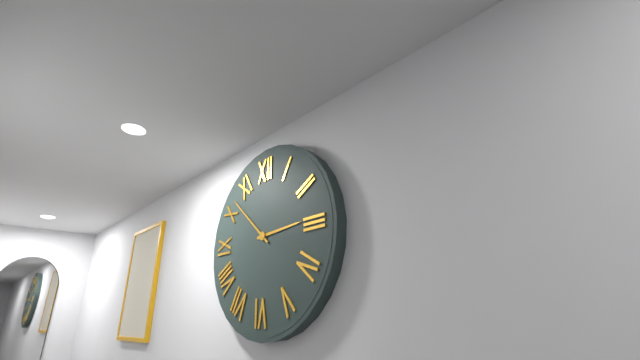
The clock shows 2:52
